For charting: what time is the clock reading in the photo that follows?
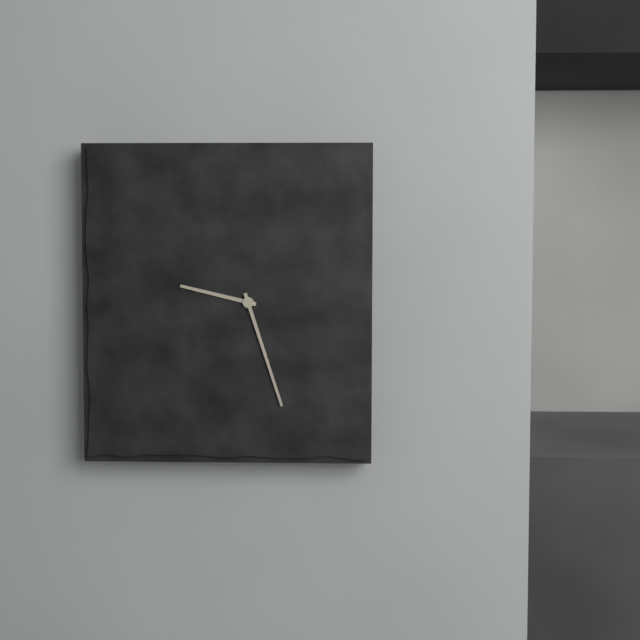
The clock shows 9:27
